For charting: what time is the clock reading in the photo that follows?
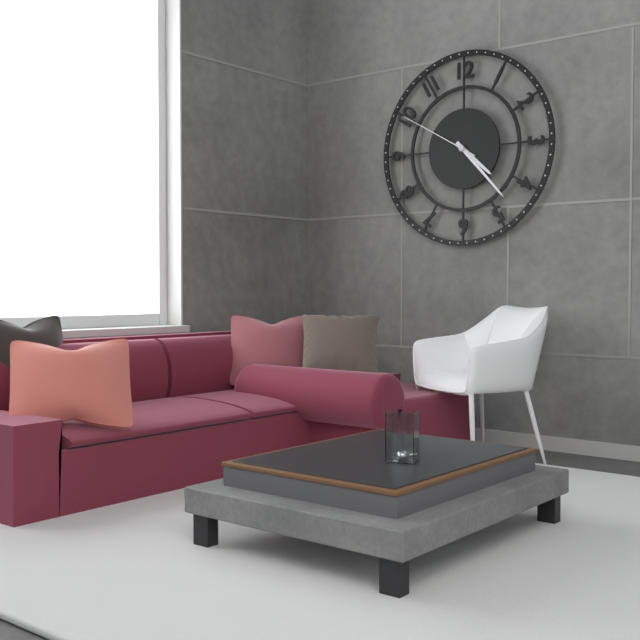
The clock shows 4:23:50
